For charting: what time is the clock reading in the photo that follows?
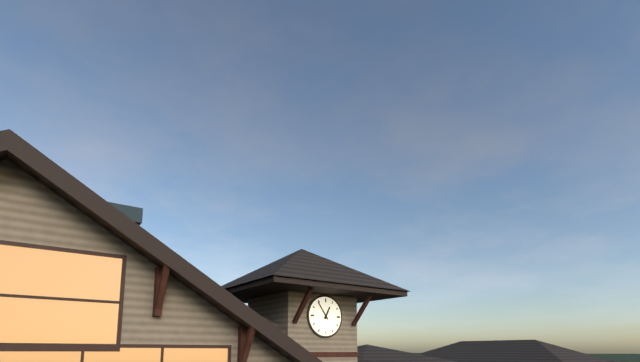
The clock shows 12:54
